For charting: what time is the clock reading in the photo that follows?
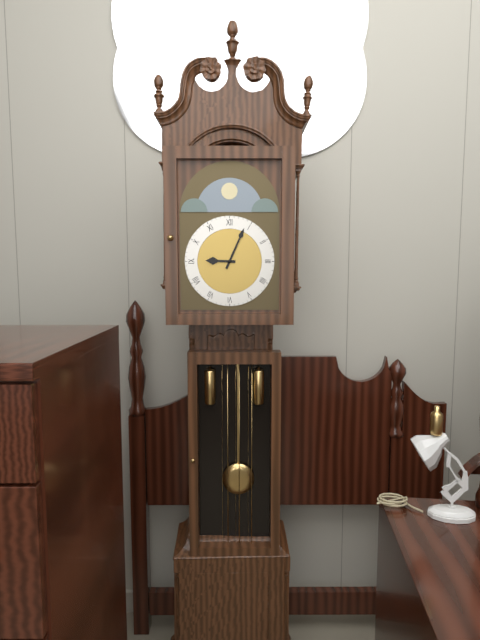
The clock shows 9:04
